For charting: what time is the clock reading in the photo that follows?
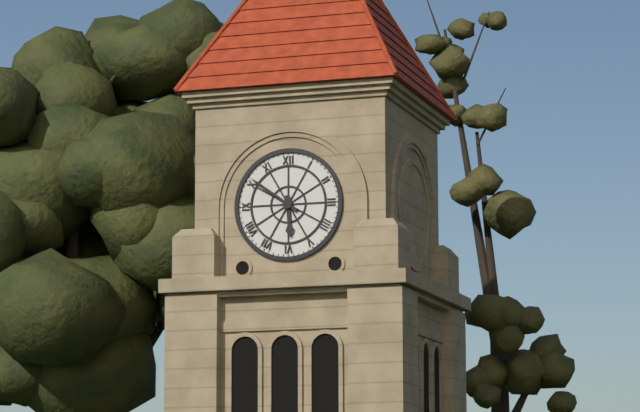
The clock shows 5:51
